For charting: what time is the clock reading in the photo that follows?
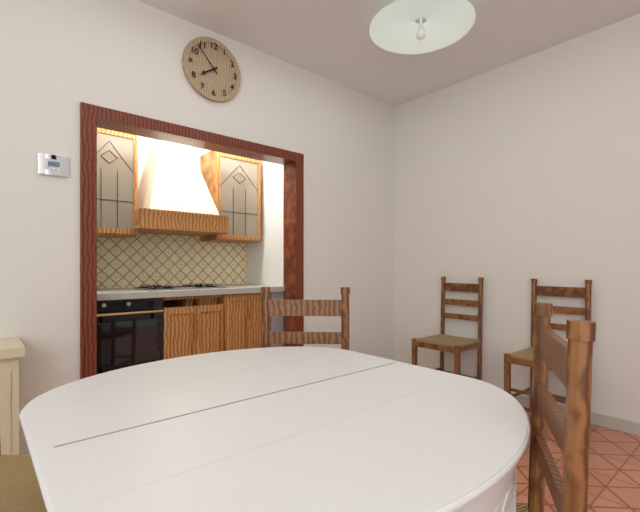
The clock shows 7:53
